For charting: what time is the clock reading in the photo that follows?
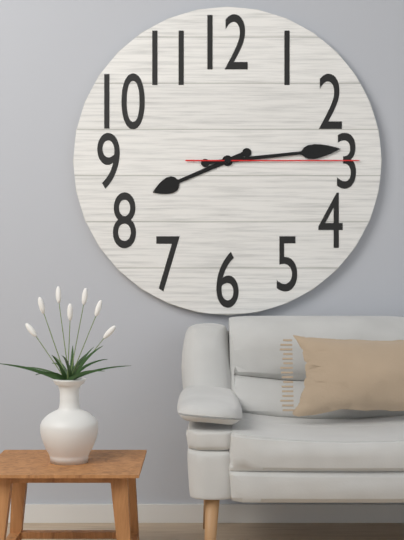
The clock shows 8:14:15
